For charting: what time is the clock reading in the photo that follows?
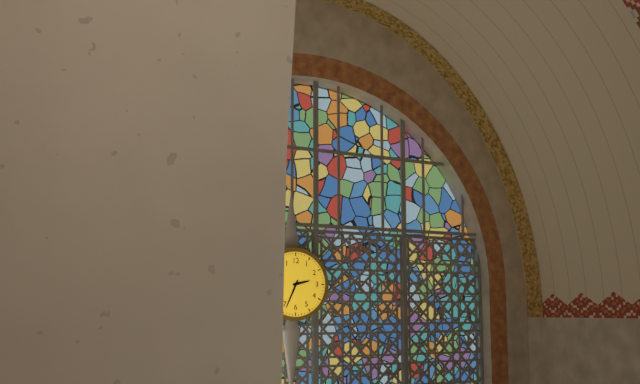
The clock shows 2:34
